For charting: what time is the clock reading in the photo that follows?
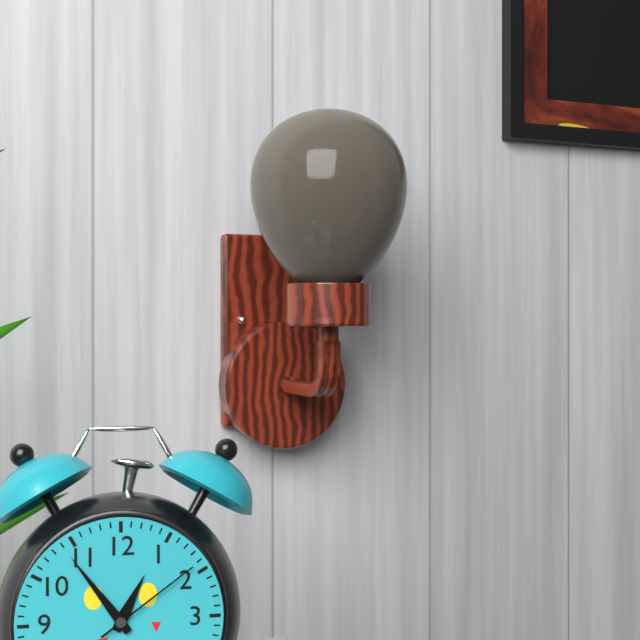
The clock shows 12:54:09
